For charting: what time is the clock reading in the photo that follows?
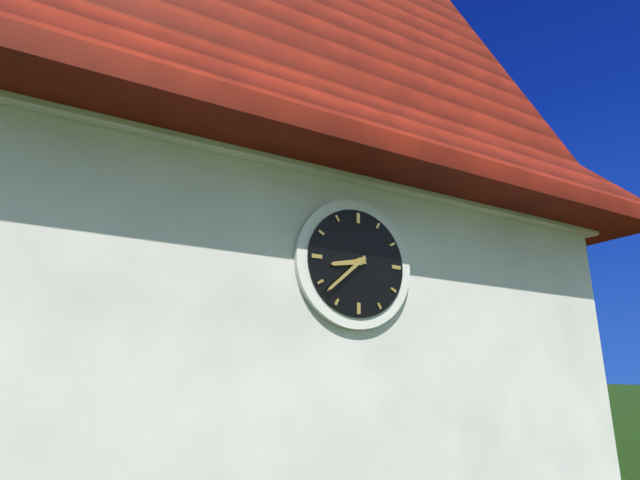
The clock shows 8:38
